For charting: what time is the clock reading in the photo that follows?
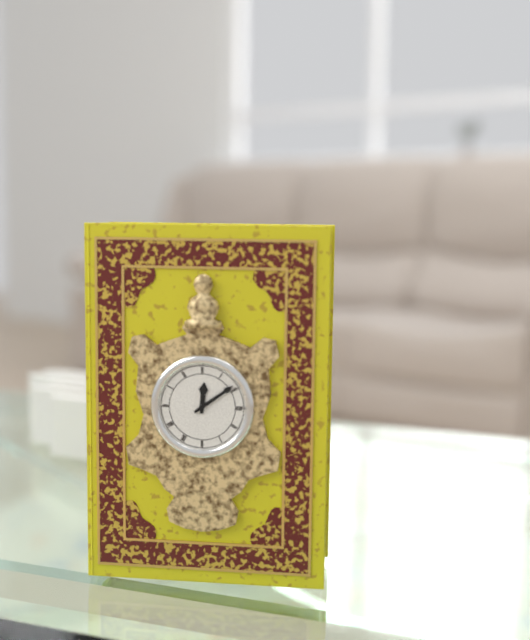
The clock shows 12:09
